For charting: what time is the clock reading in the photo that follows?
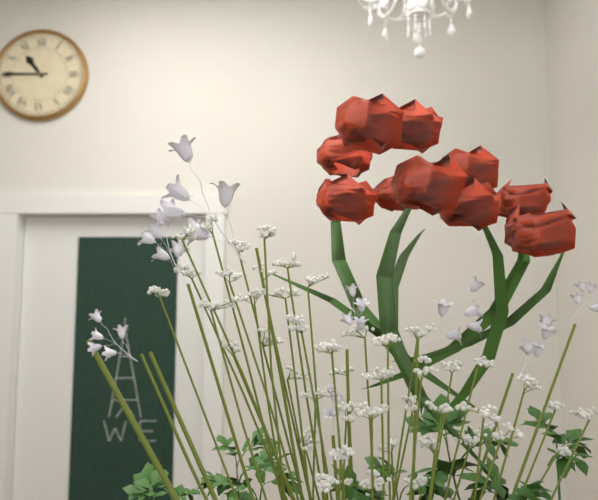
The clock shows 10:45
